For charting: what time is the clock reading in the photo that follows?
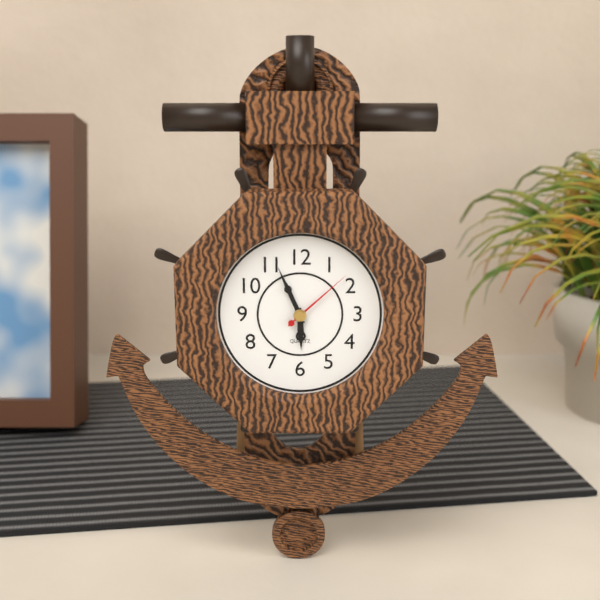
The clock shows 5:56:08
